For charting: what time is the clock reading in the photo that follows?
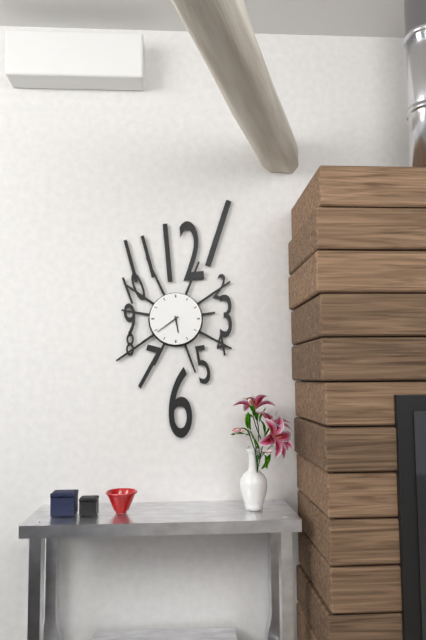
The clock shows 5:39
